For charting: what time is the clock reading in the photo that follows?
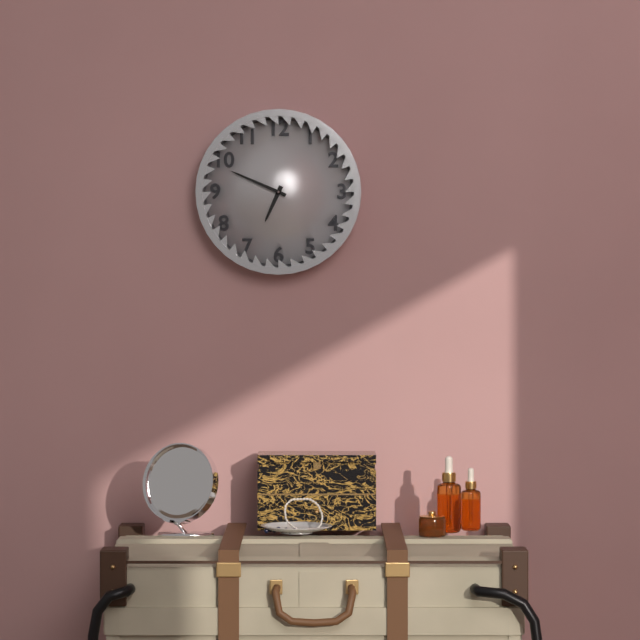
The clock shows 6:49
